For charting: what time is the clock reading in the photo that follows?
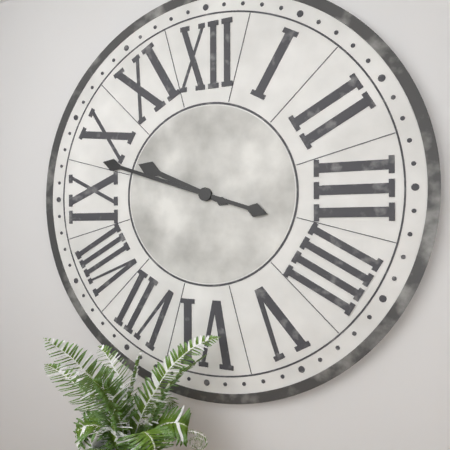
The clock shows 9:48
